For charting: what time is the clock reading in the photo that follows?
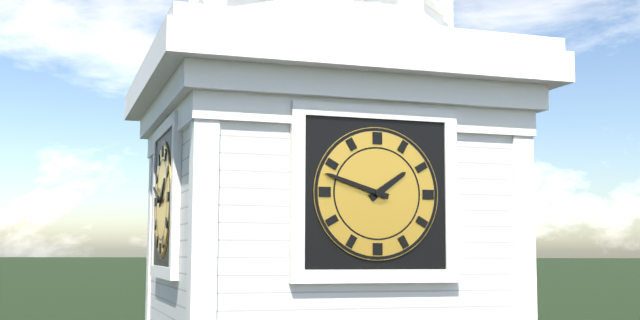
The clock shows 1:48
